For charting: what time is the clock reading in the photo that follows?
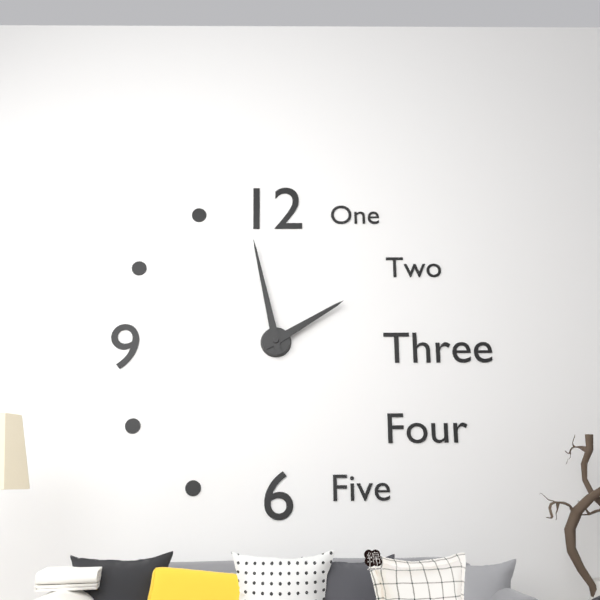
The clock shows 1:58
